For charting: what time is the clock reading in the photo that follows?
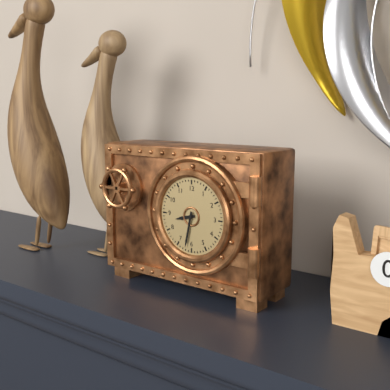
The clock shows 8:32
